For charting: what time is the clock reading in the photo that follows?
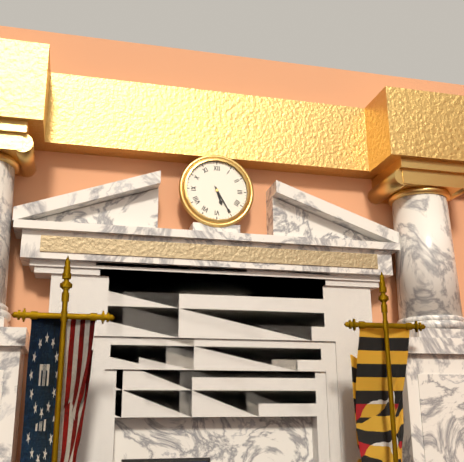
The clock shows 5:25
